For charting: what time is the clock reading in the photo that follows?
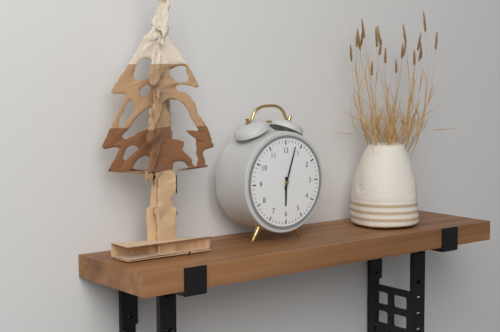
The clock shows 6:03
